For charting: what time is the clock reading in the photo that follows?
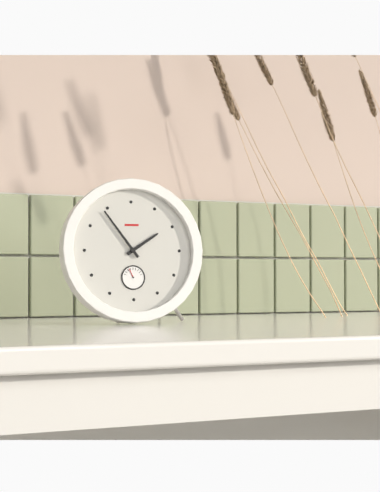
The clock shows 1:54
